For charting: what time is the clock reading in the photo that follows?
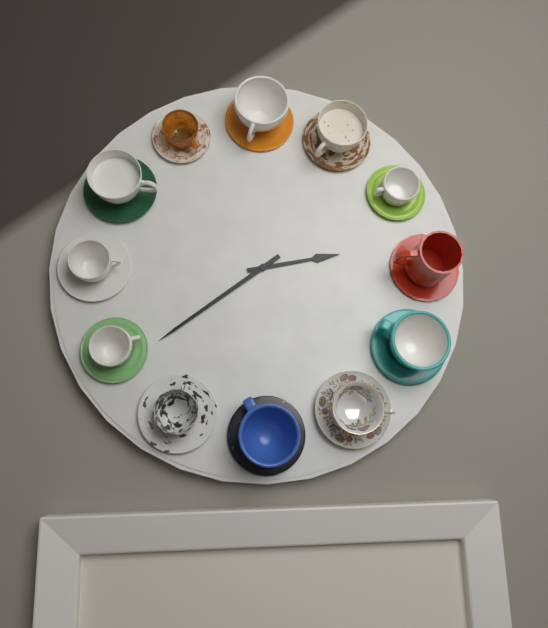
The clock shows 2:39
